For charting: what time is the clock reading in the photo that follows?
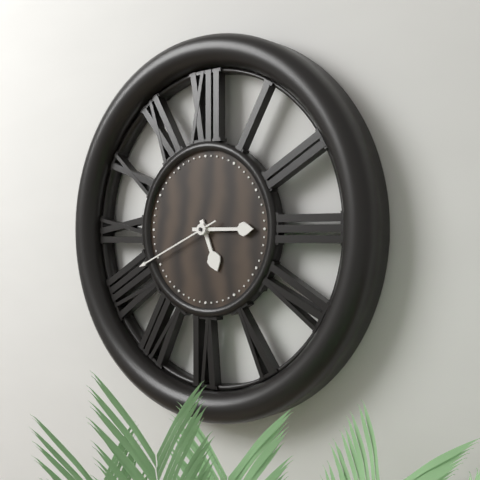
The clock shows 5:15:41
